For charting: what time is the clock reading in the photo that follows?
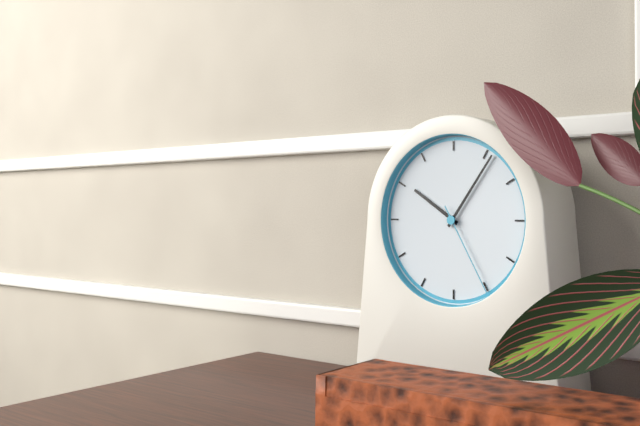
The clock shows 10:06:25
